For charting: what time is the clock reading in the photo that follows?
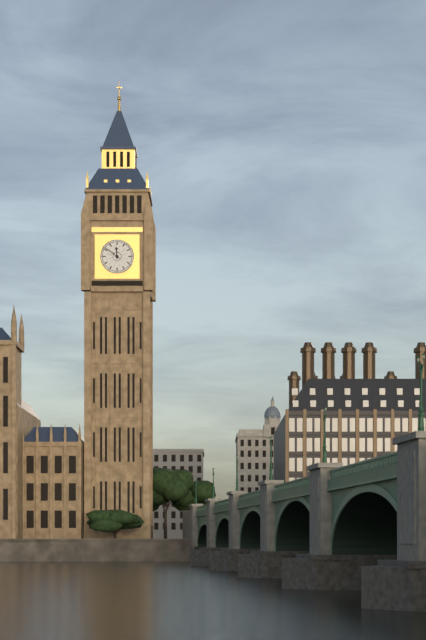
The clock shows 11:51
